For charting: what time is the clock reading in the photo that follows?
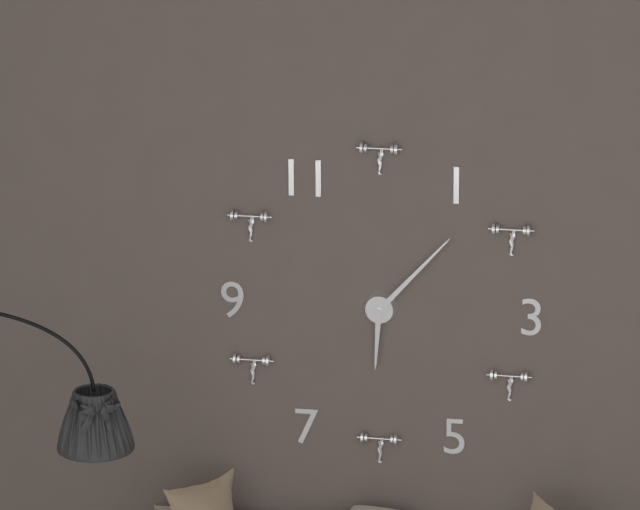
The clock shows 6:07
